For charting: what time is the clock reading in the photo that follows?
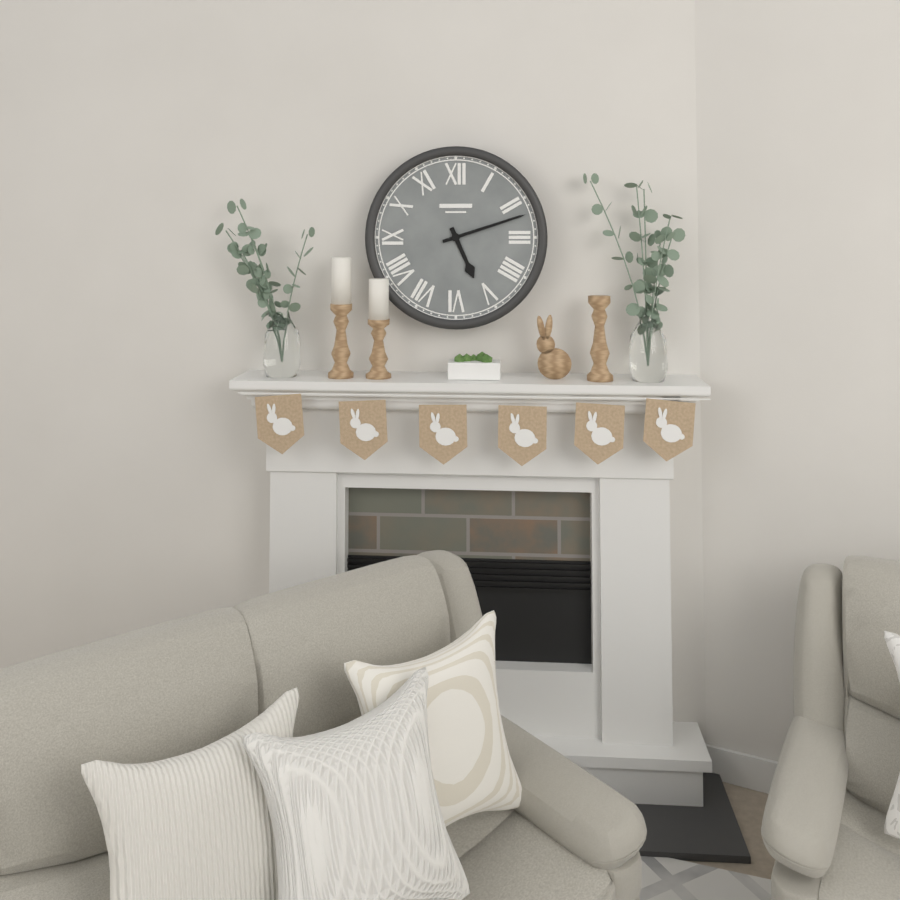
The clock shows 5:12
